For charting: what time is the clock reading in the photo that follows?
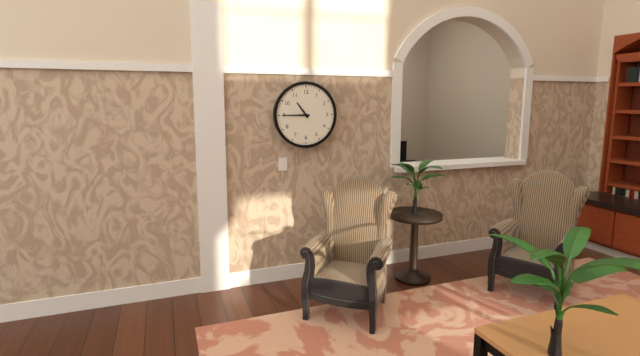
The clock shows 10:45
